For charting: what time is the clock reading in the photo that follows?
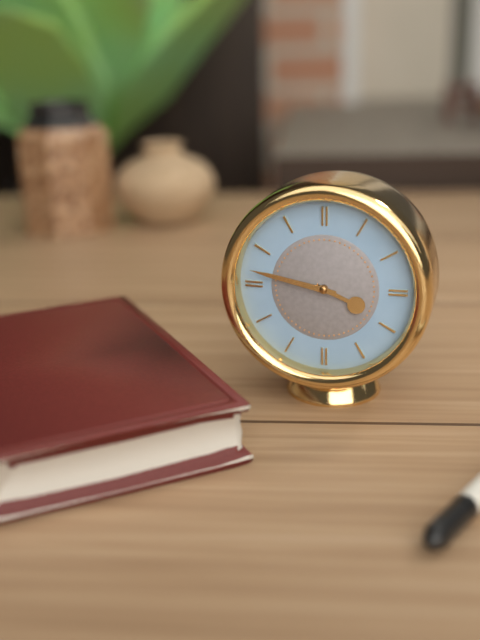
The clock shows 3:47
